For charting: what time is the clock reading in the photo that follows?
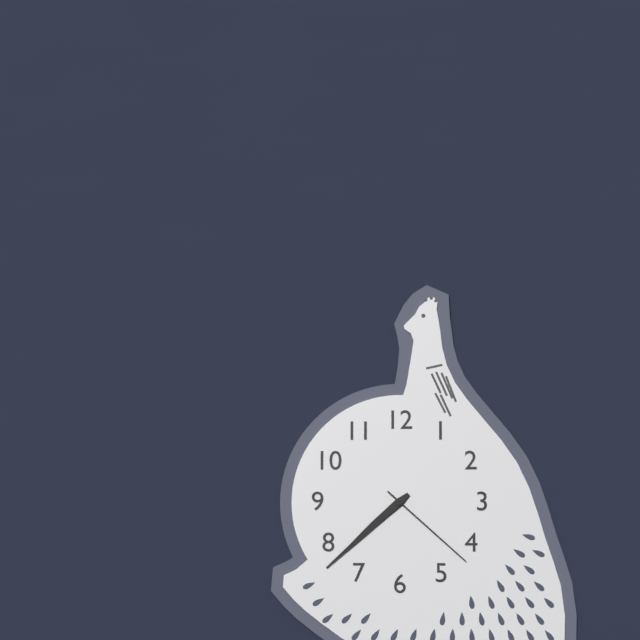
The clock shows 7:38:22
